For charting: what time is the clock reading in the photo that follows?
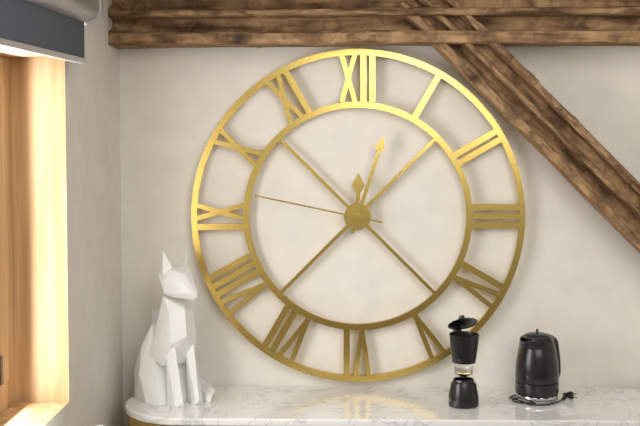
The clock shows 12:03:47
